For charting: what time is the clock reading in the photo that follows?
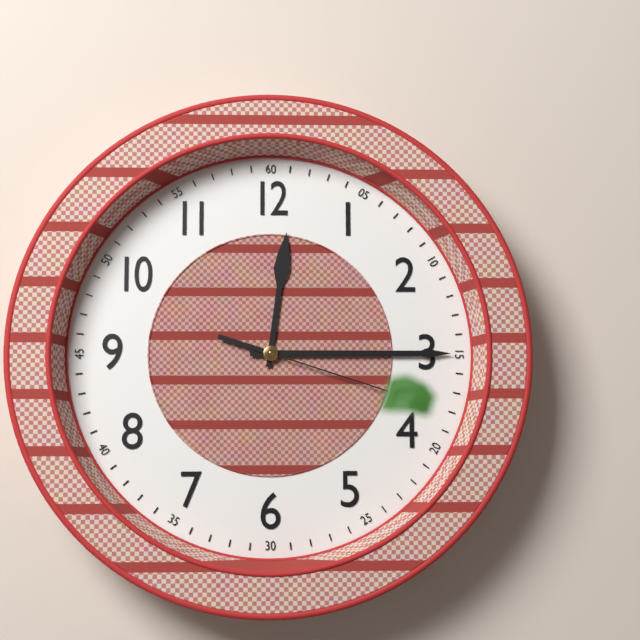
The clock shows 12:15:18
